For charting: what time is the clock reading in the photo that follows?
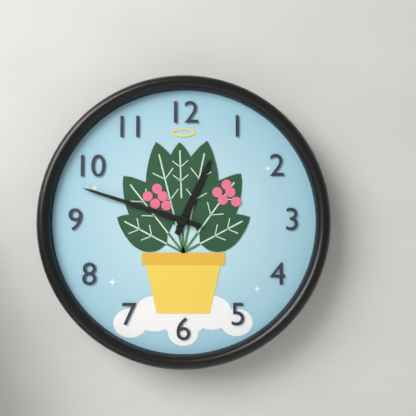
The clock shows 12:48
